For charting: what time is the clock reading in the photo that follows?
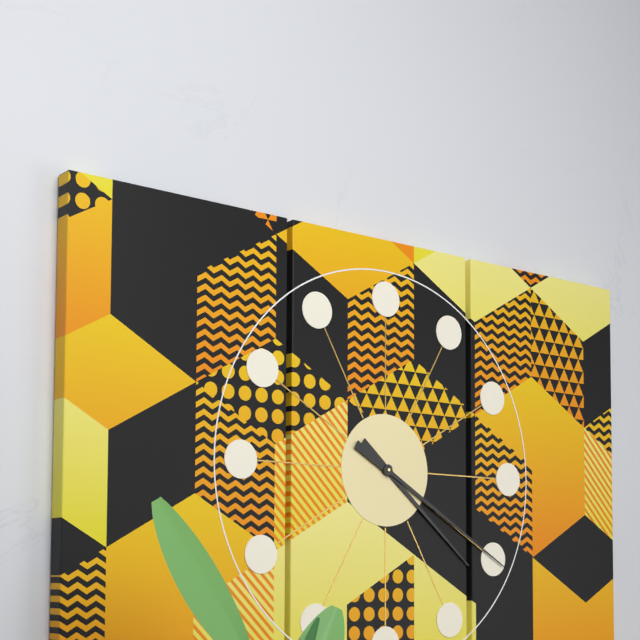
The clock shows 4:20
